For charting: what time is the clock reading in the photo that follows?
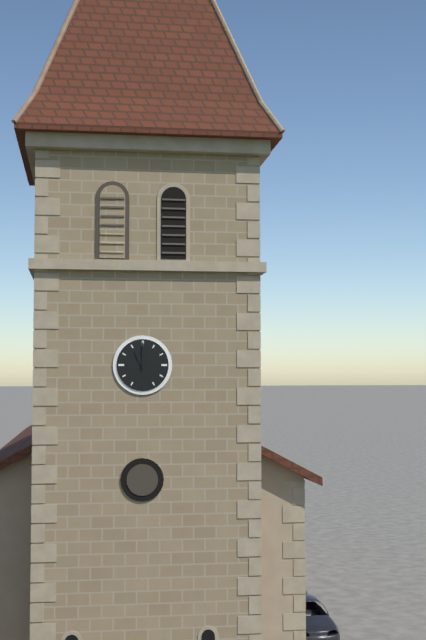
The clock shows 11:00
